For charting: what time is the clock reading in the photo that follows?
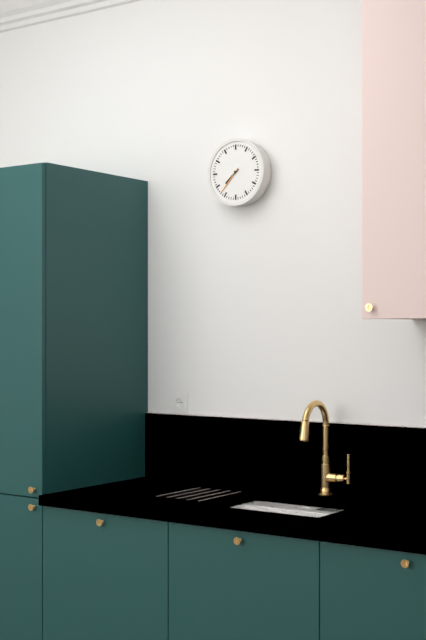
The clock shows 7:37
